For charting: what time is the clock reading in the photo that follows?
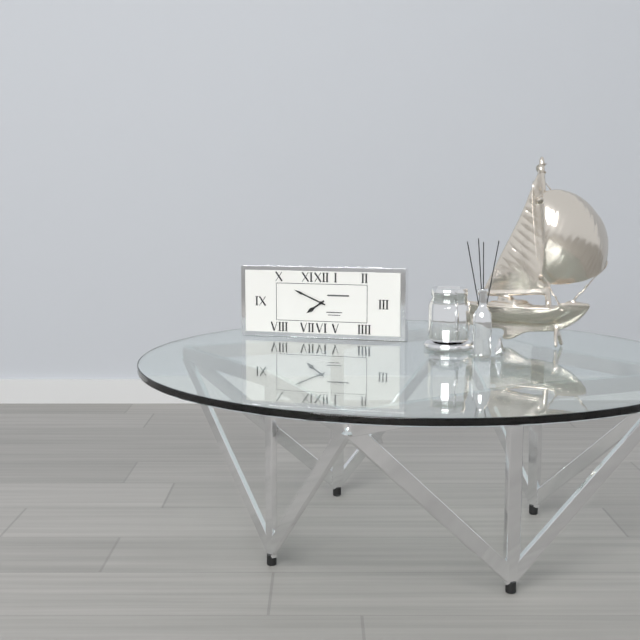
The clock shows 7:49
